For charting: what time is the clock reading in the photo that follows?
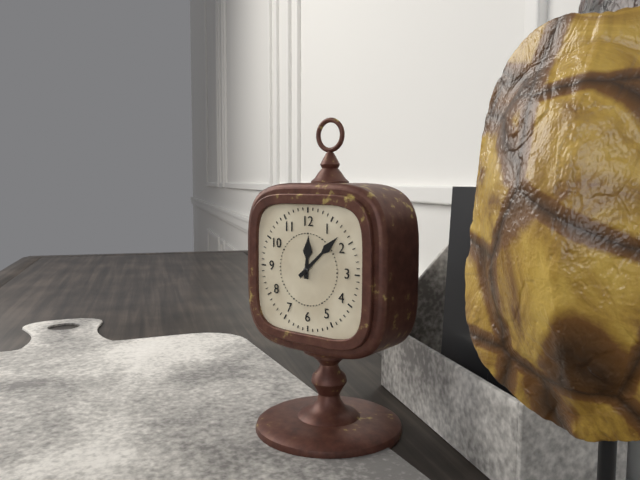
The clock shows 12:08
